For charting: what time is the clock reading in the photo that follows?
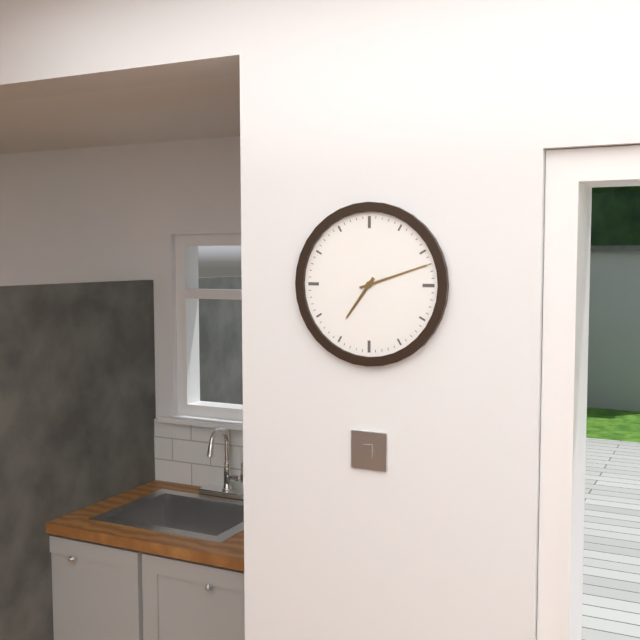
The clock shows 7:12
